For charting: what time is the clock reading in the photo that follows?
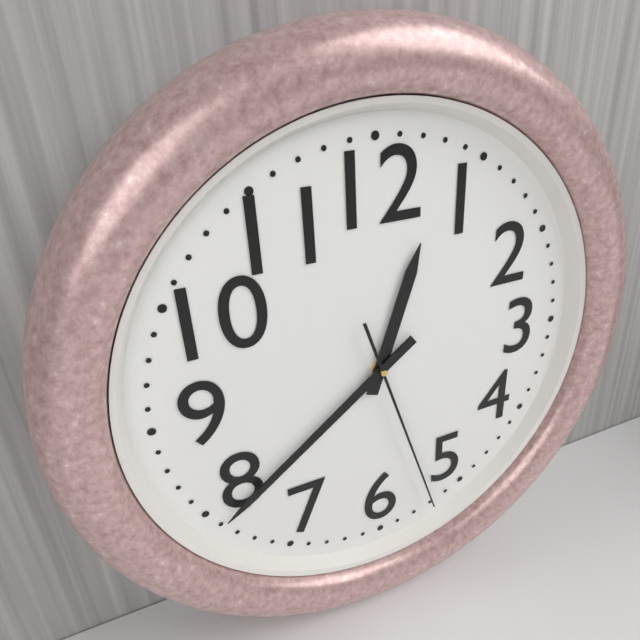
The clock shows 12:39:27
